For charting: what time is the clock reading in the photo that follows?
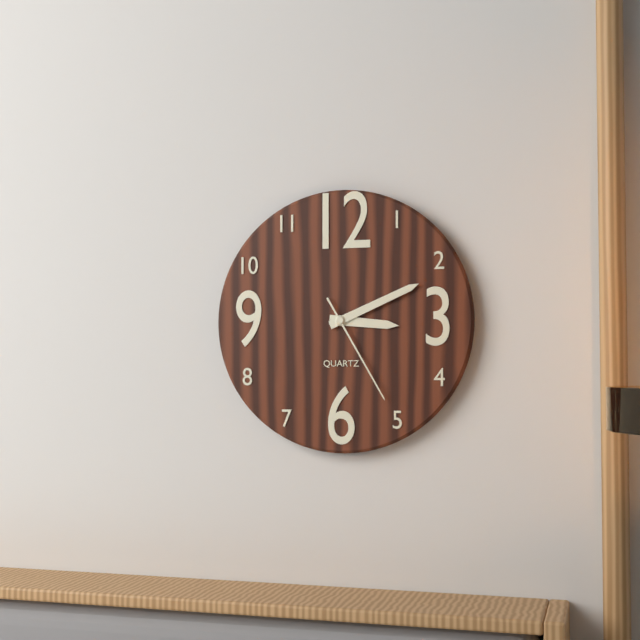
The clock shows 3:11:25
